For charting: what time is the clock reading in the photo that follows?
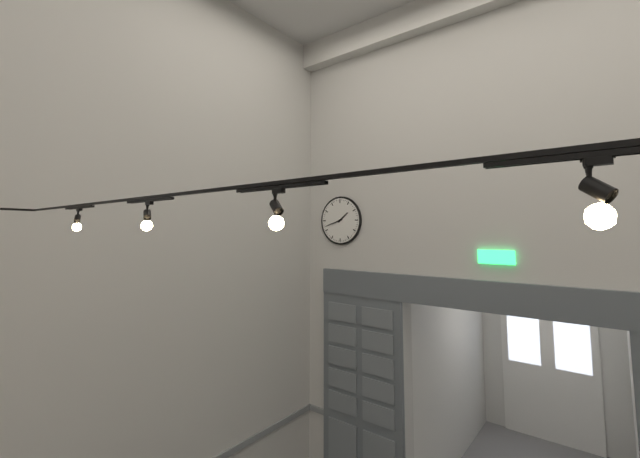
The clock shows 1:42
